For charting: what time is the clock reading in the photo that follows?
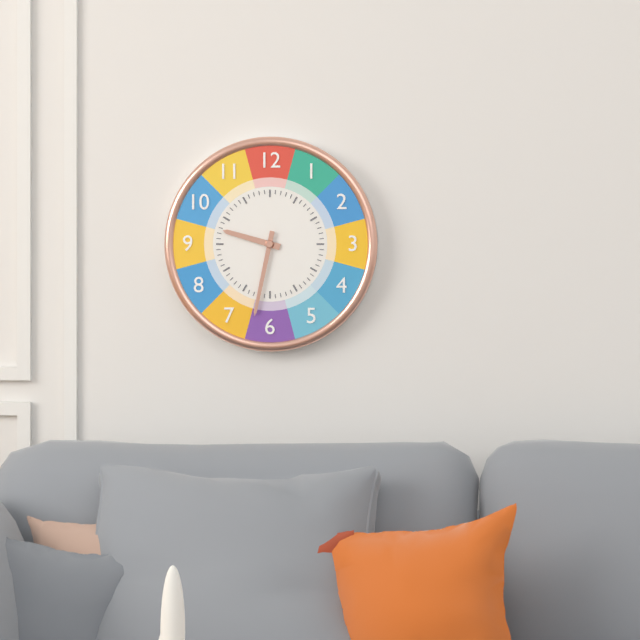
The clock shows 9:32
